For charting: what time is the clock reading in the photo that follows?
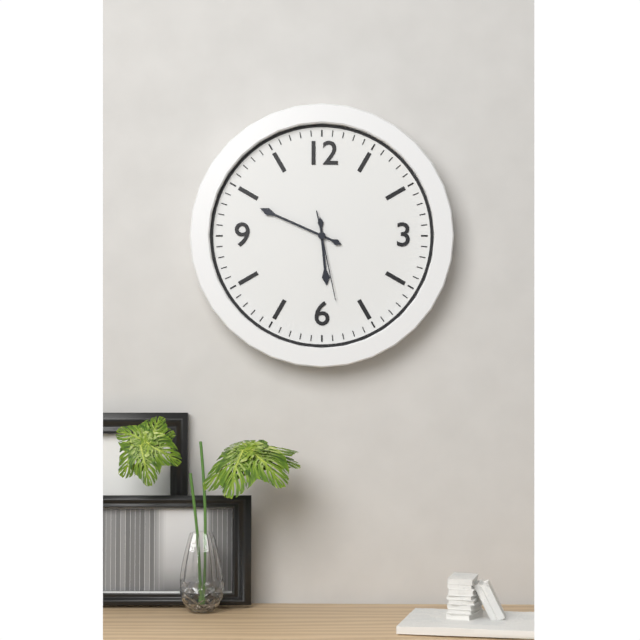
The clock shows 5:49:28
